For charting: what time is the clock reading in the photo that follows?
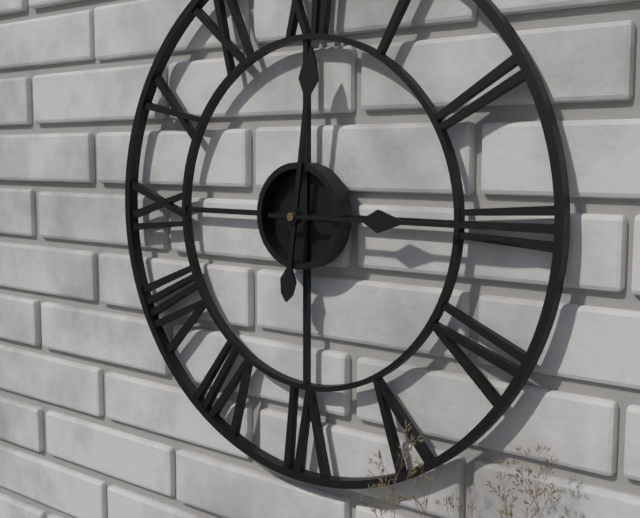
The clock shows 12:15
